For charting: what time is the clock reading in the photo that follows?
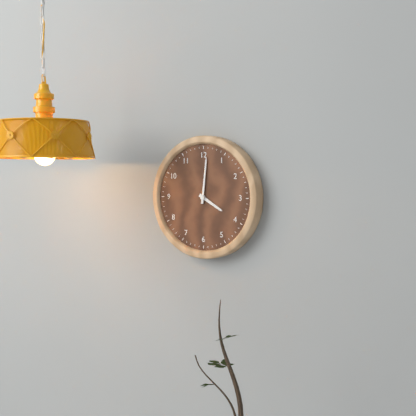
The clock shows 4:01
